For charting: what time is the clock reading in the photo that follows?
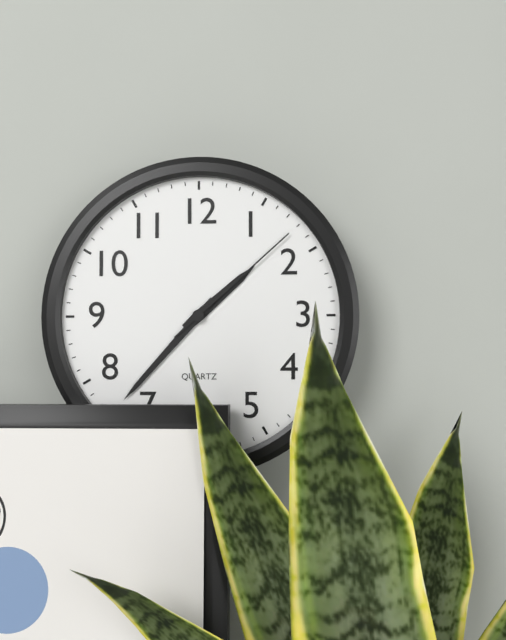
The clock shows 1:37:08
